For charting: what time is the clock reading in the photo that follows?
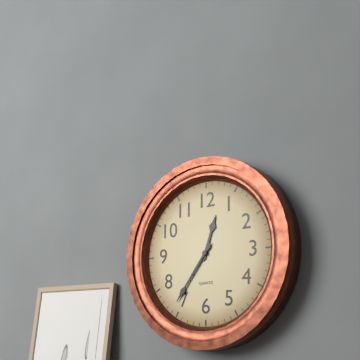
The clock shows 12:36
